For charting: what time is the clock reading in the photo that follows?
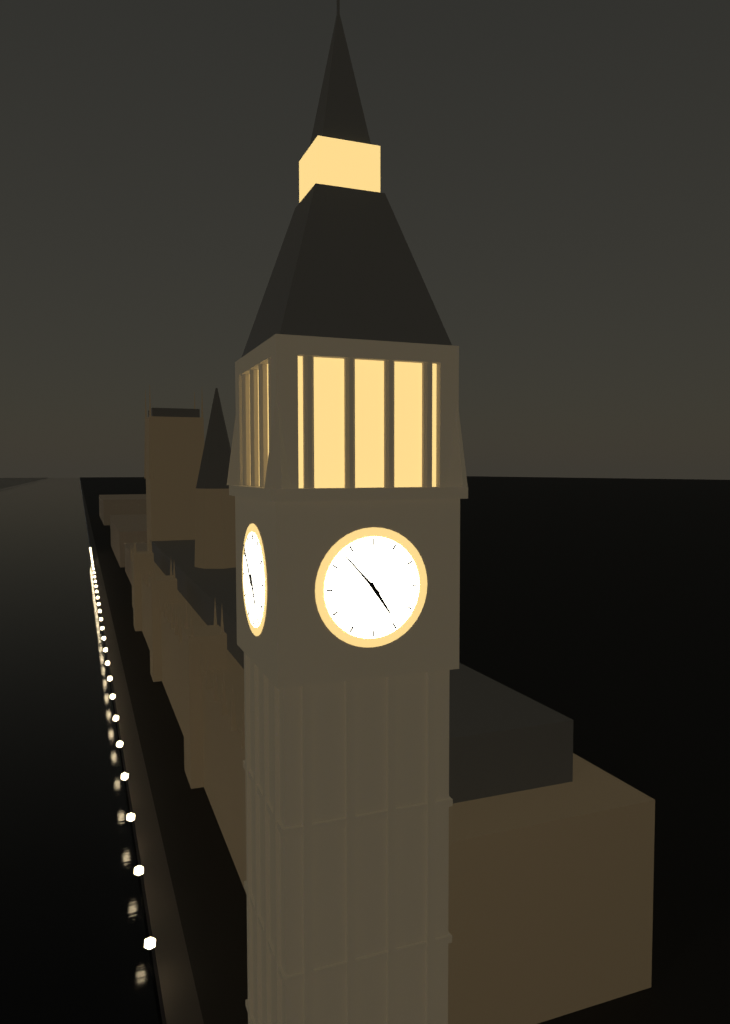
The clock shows 4:53
